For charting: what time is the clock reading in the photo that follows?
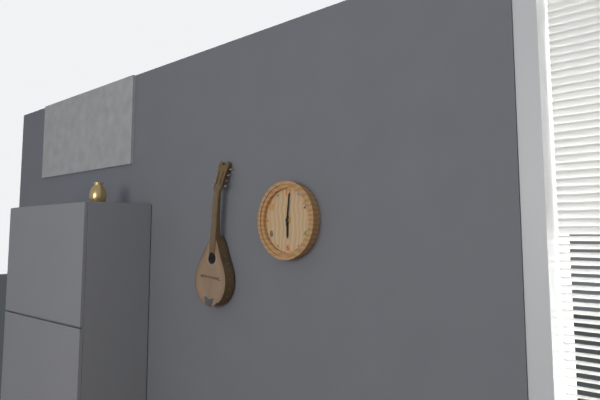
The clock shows 6:01
